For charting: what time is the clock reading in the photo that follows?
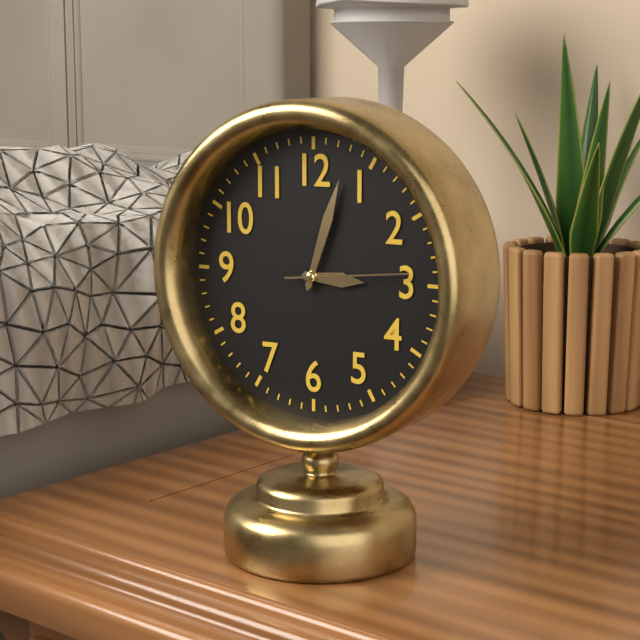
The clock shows 3:03:14
